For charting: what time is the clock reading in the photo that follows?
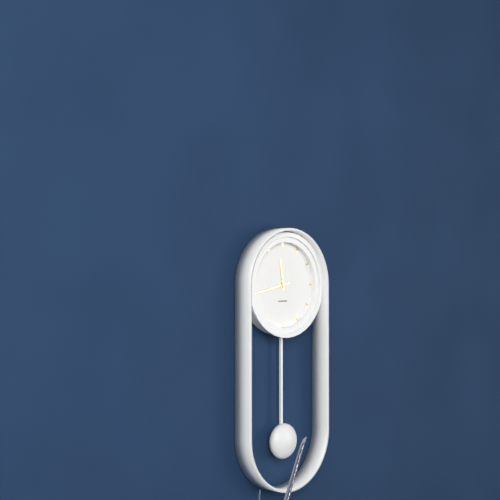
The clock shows 11:43
